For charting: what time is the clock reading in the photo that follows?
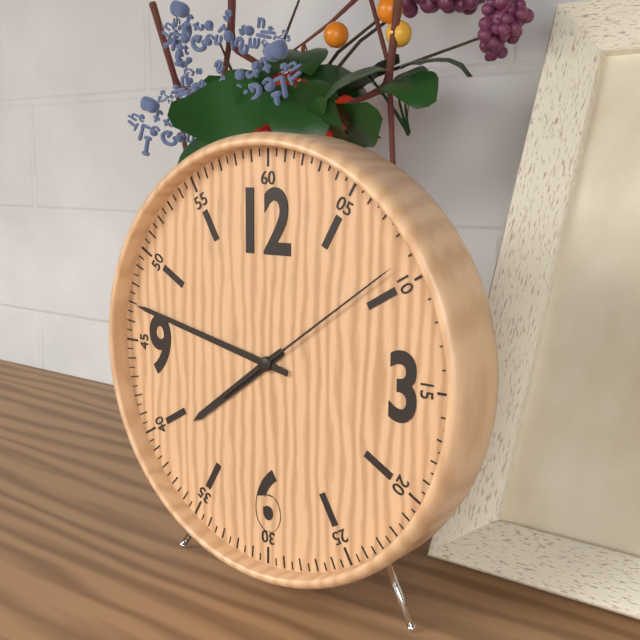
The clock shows 7:47:09
